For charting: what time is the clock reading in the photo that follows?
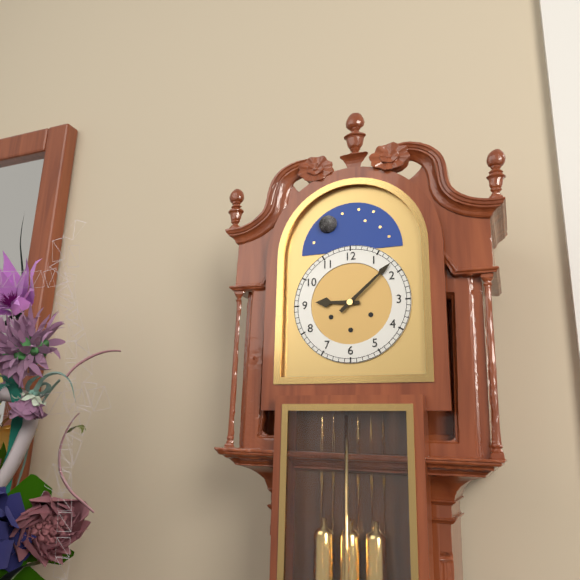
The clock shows 9:08
